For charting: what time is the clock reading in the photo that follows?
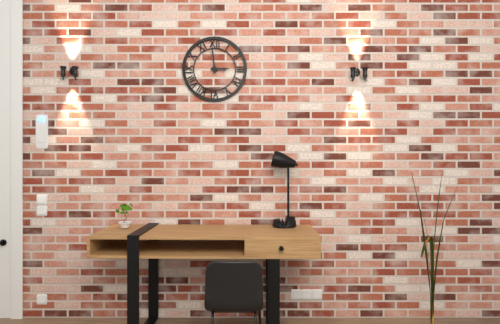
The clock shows 2:59
